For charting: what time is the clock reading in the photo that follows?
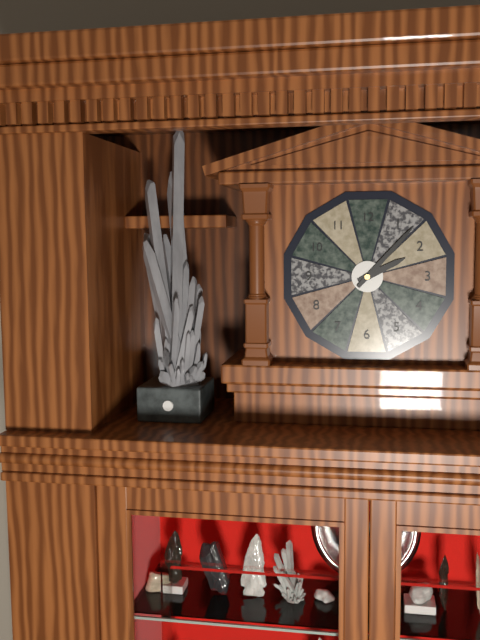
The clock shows 2:07
